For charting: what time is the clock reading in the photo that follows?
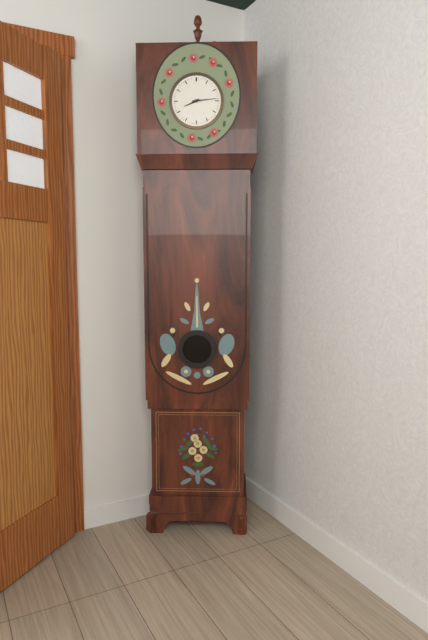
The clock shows 8:14
